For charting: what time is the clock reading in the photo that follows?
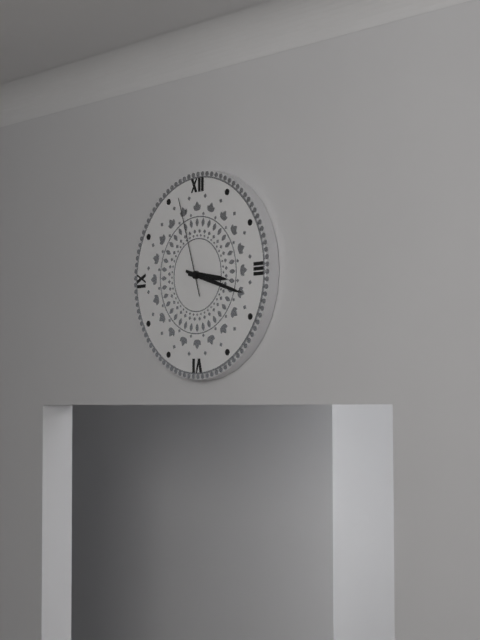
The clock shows 3:18:57
